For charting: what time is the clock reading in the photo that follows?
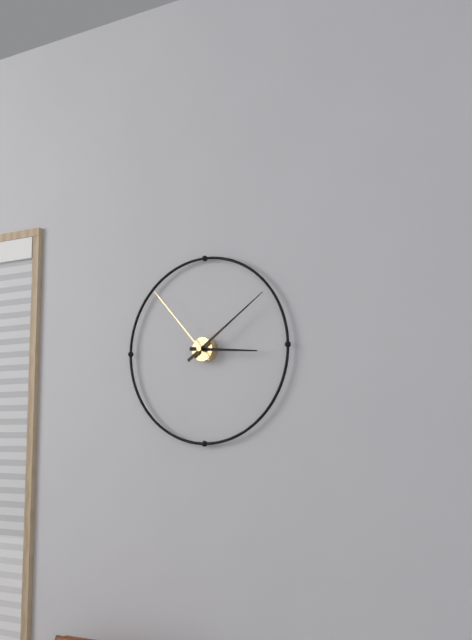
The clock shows 3:09:53
